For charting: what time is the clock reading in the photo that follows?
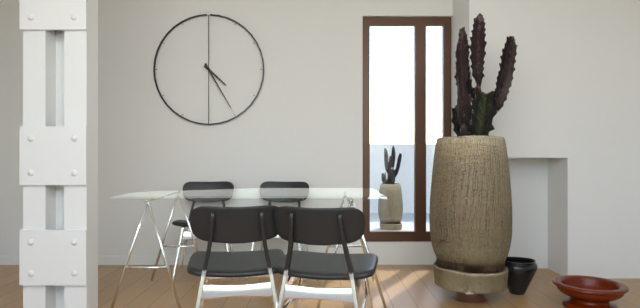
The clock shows 4:25
